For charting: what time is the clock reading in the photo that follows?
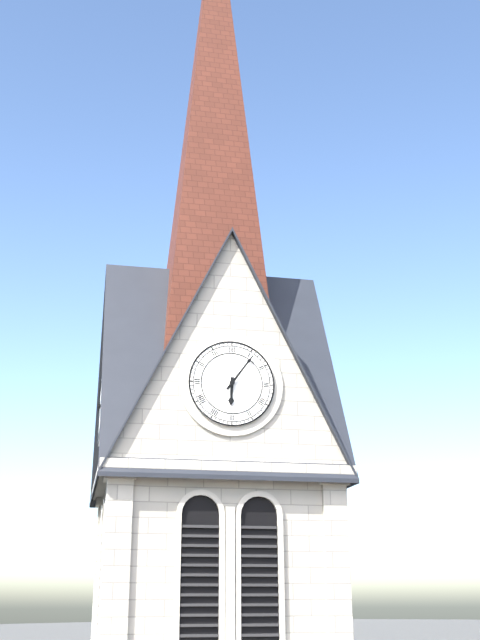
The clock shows 6:06
